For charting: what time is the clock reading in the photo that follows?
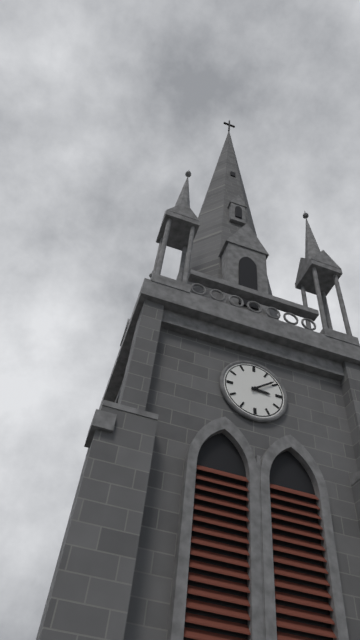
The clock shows 3:09
